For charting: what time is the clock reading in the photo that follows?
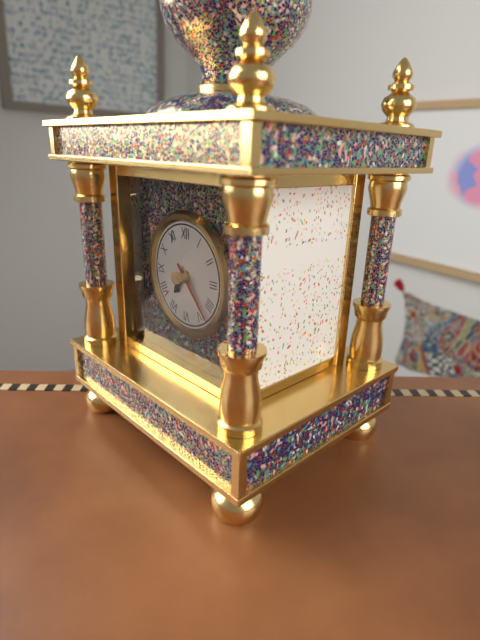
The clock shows 7:23
